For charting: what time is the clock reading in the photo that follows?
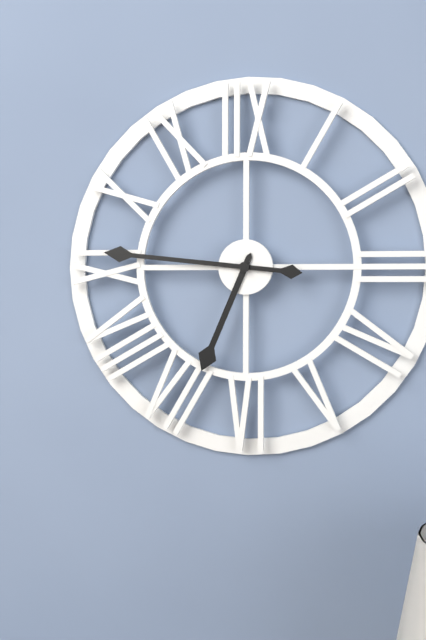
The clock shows 6:46
